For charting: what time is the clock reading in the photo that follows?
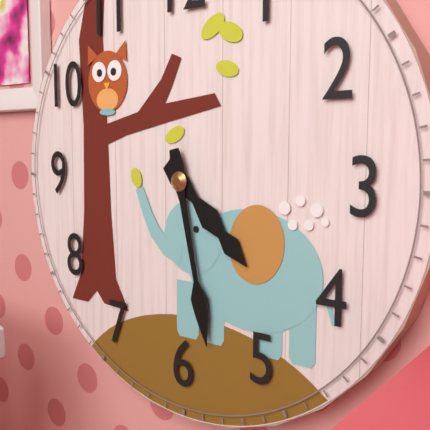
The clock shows 4:28
